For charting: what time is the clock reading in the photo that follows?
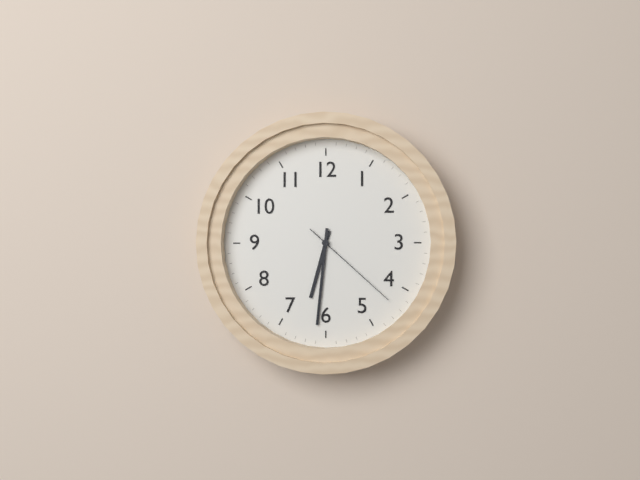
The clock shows 6:31:22
